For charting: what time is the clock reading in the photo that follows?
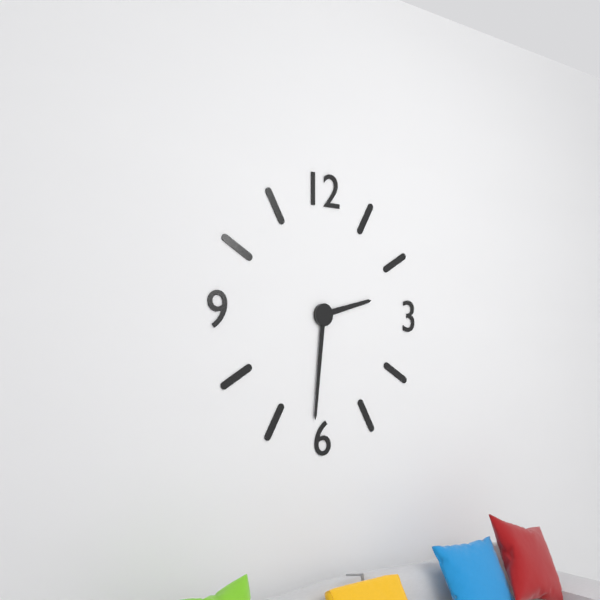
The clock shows 2:31
